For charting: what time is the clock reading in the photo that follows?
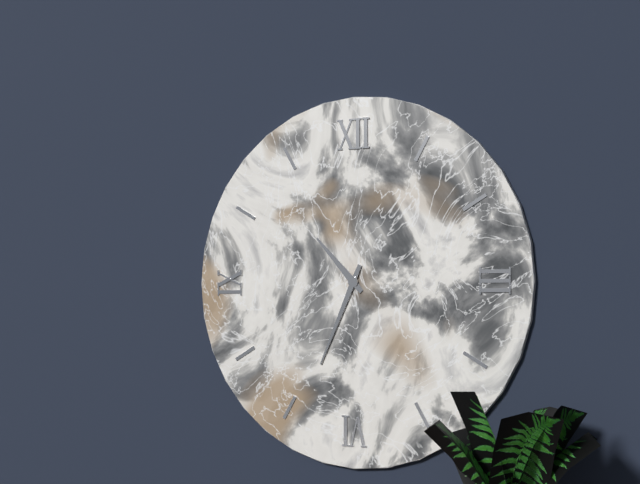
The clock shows 10:34
